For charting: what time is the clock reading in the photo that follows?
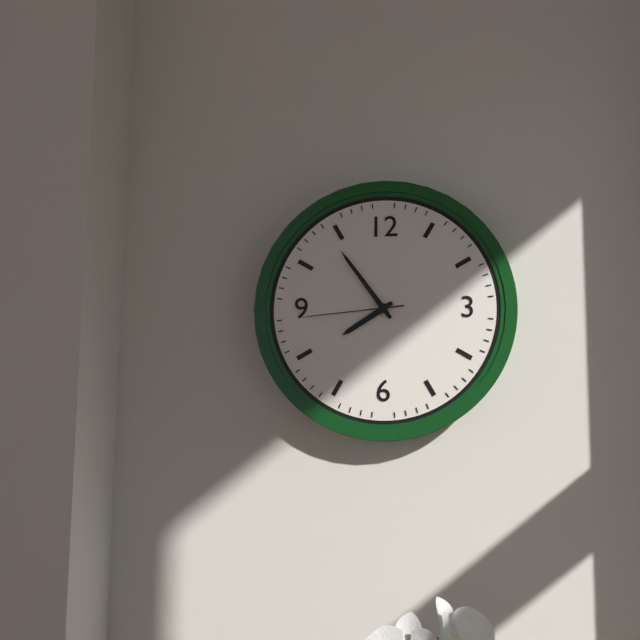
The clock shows 7:54:44
